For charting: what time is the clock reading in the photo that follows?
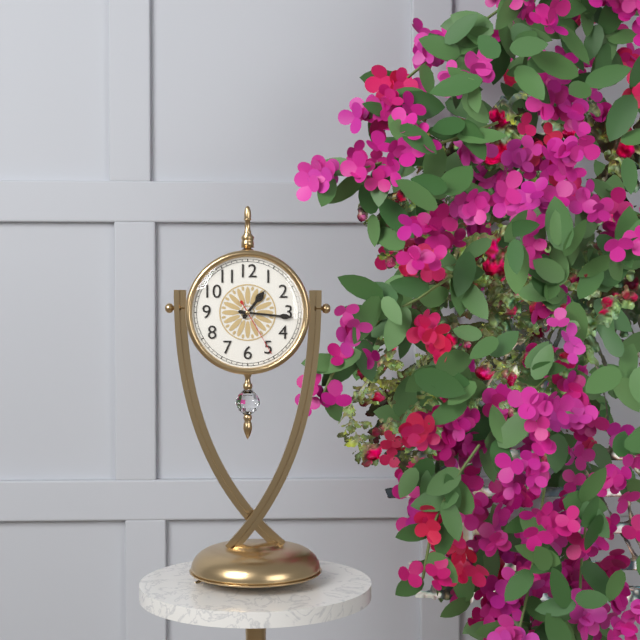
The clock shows 1:16:25
